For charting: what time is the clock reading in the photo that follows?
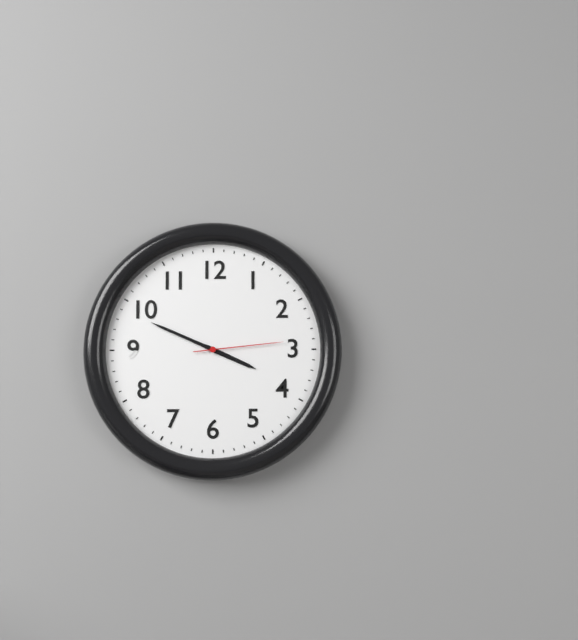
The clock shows 3:49:14
